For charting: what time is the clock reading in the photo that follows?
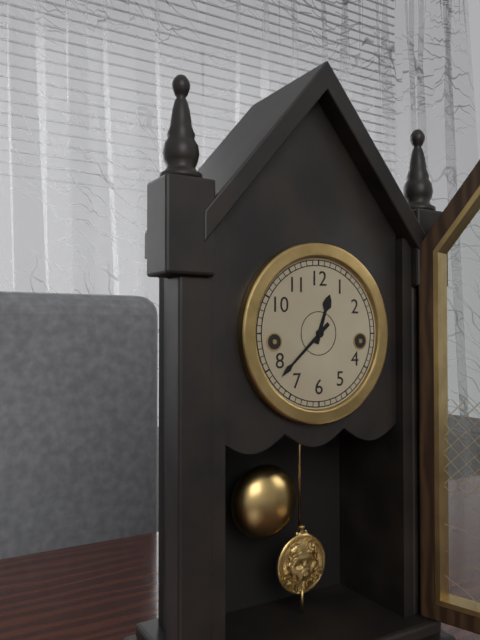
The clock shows 12:38
